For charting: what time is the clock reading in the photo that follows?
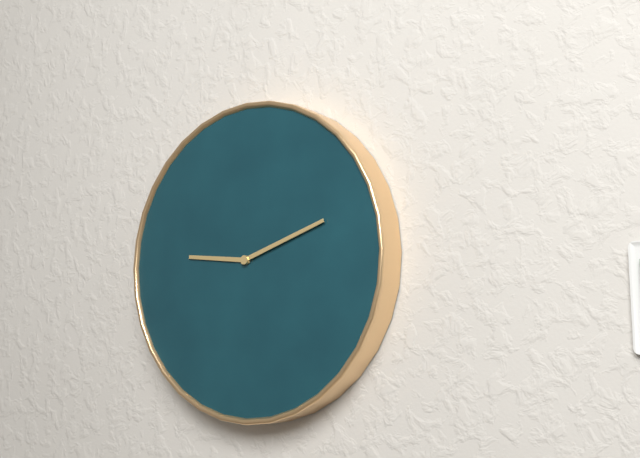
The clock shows 9:12
